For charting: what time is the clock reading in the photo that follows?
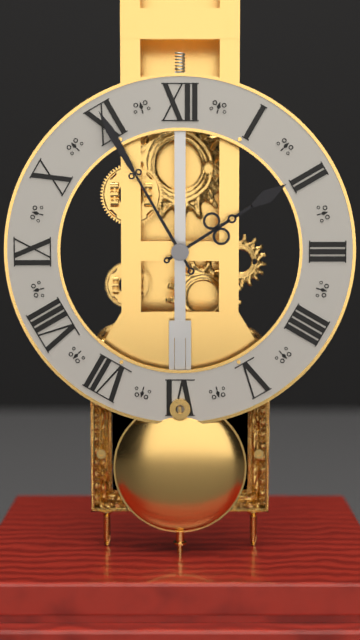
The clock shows 1:55
